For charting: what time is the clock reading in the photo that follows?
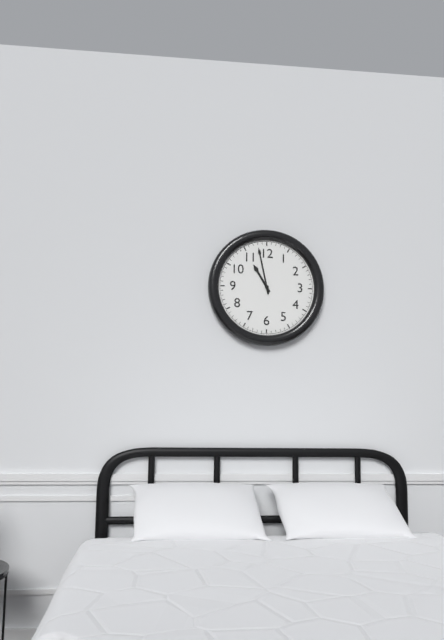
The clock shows 10:58
